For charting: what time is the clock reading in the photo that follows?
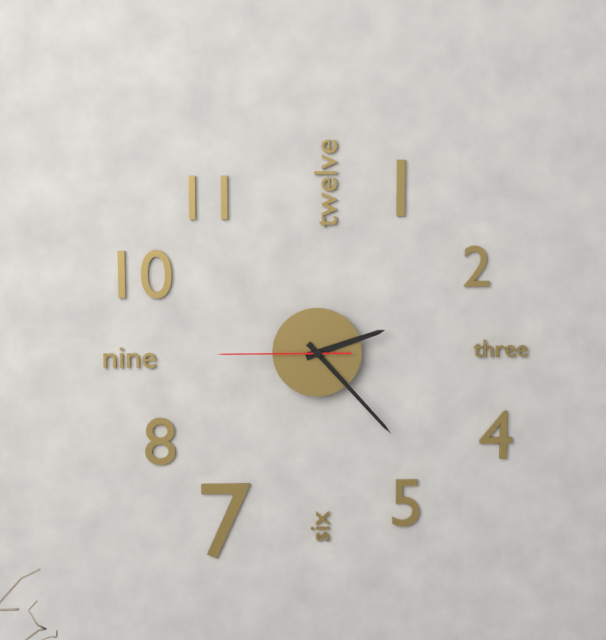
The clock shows 2:23:45
